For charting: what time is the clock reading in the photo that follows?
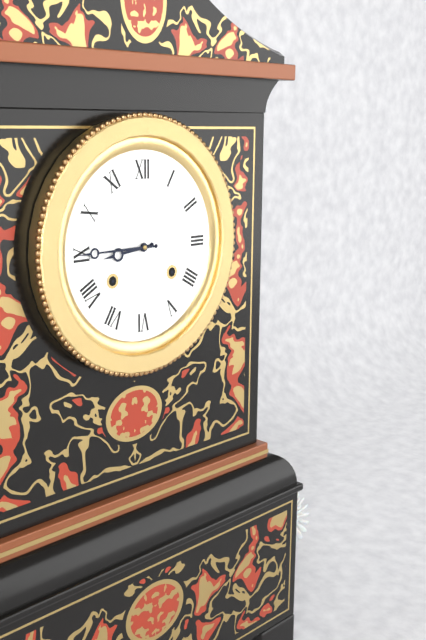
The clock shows 8:45
